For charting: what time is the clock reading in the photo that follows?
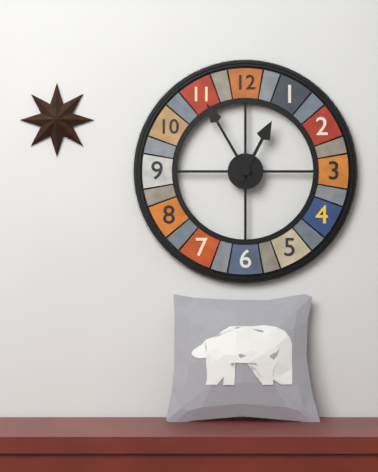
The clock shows 12:55
